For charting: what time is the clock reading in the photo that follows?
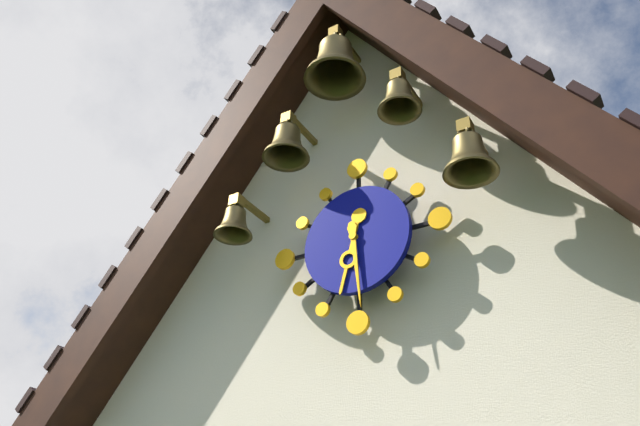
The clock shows 6:29
